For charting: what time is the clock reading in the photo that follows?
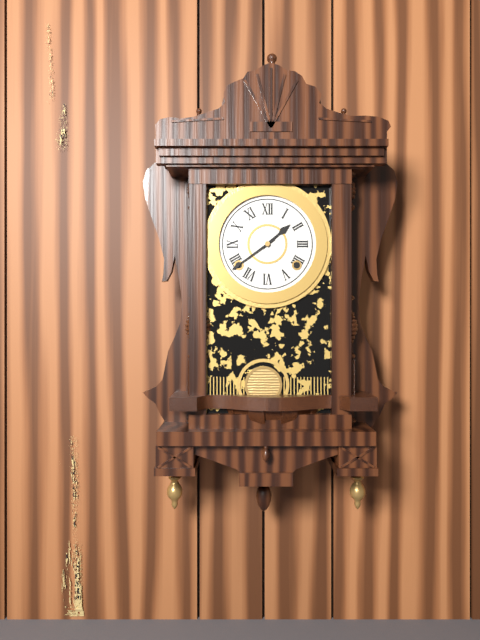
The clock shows 1:39
